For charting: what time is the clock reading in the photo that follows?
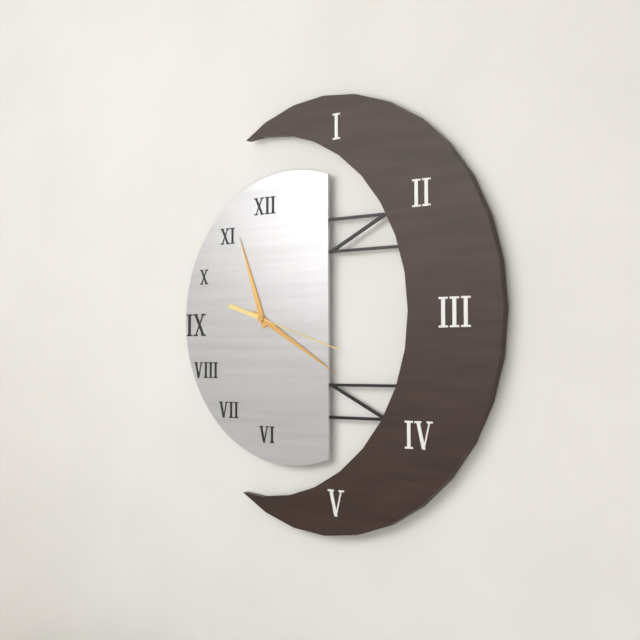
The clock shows 11:20:18
